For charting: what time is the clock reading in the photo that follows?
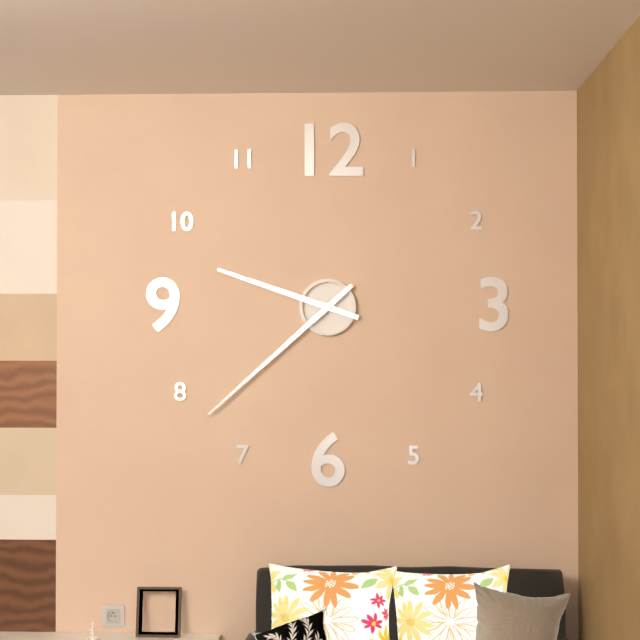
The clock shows 9:38
